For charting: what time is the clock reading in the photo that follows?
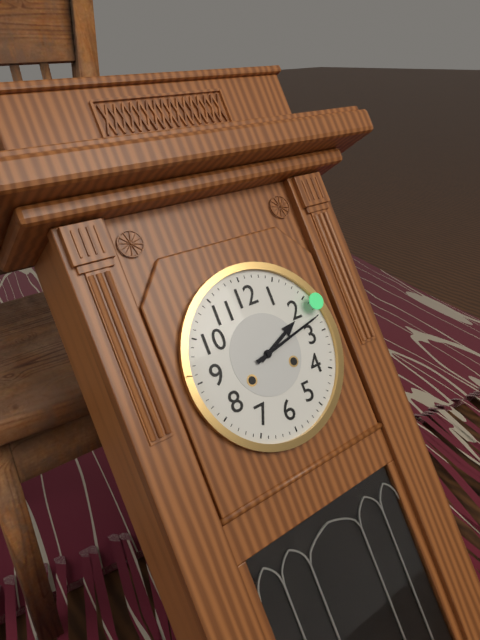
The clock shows 2:13
